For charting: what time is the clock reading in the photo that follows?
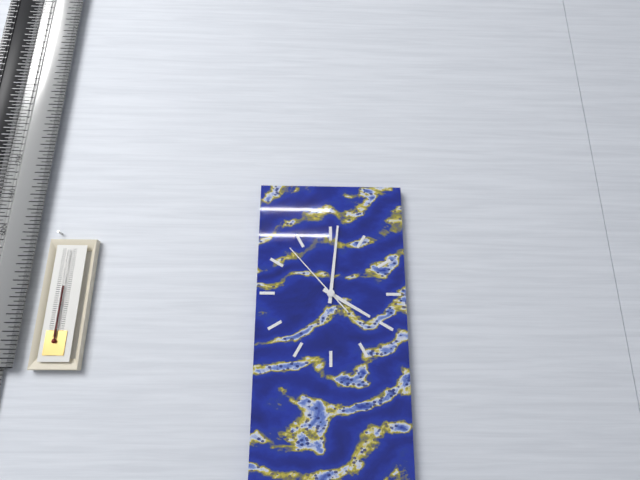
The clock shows 4:01:53
